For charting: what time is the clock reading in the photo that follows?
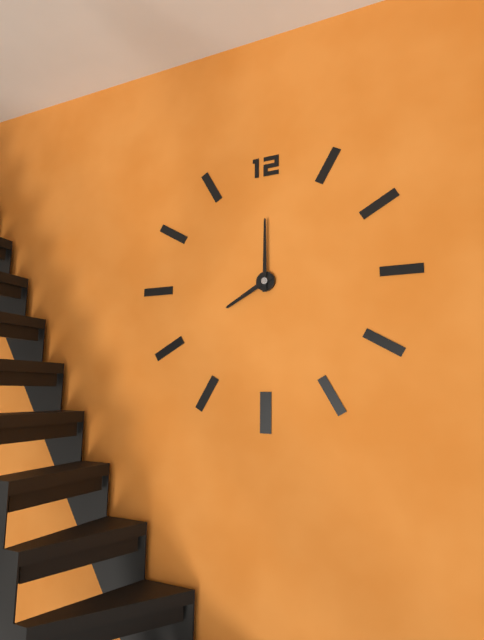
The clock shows 8:00
